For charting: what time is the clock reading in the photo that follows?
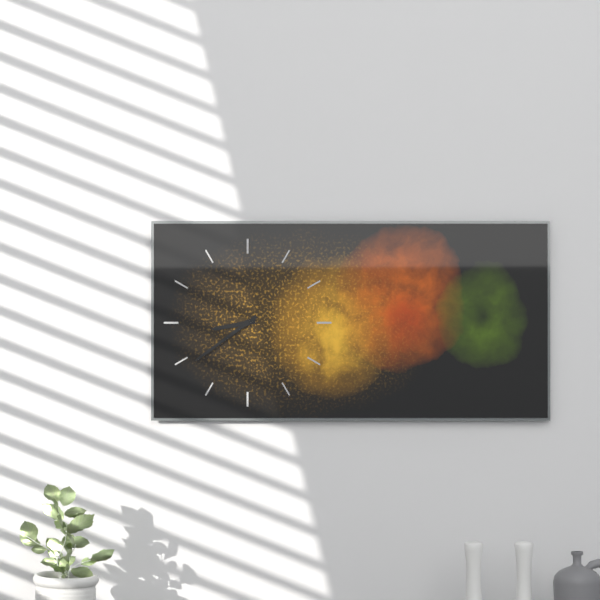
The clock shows 8:39
